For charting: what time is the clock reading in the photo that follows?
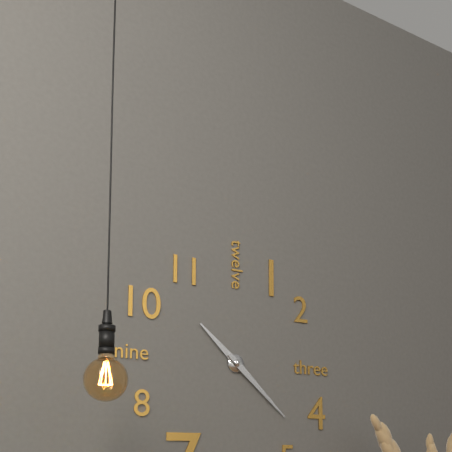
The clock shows 10:22
